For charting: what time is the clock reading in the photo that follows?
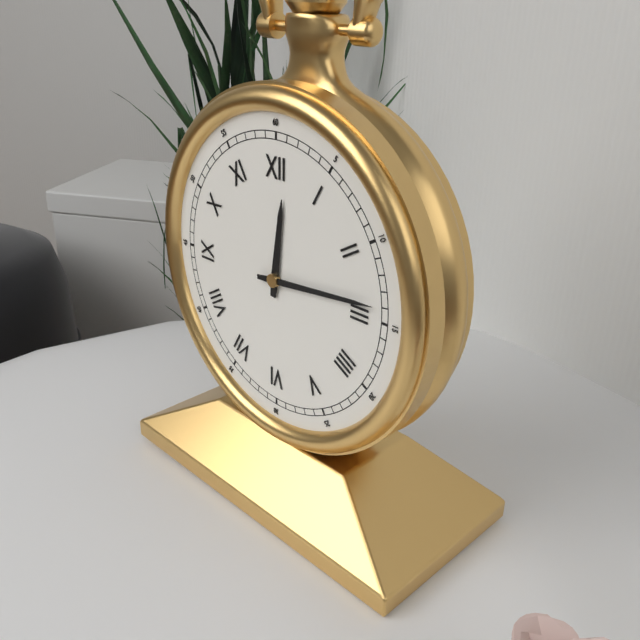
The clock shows 12:14
